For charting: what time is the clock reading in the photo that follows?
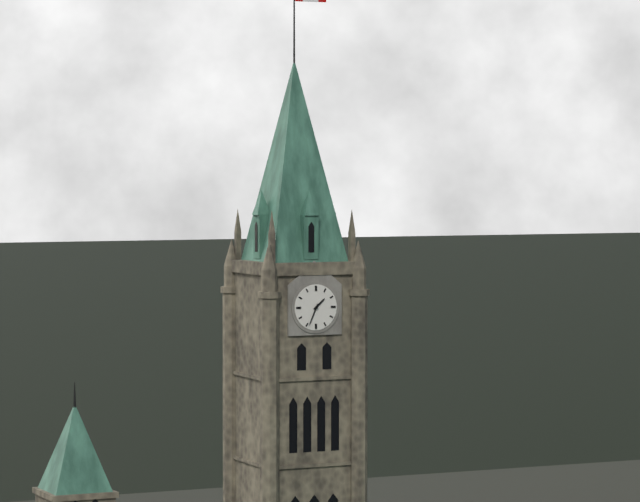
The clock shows 1:34
